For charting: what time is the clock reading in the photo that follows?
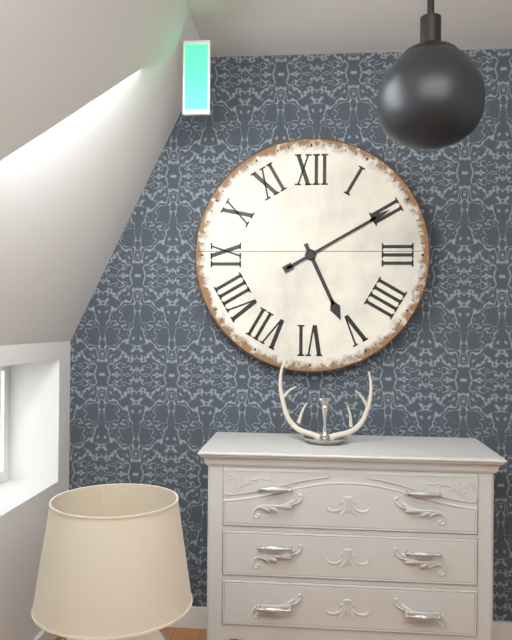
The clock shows 5:10
